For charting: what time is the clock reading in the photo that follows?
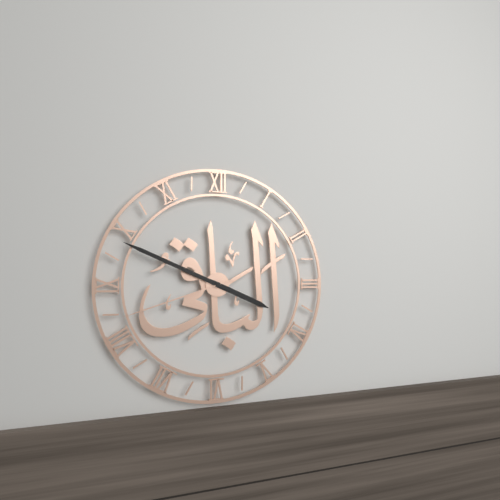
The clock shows 3:49:42
